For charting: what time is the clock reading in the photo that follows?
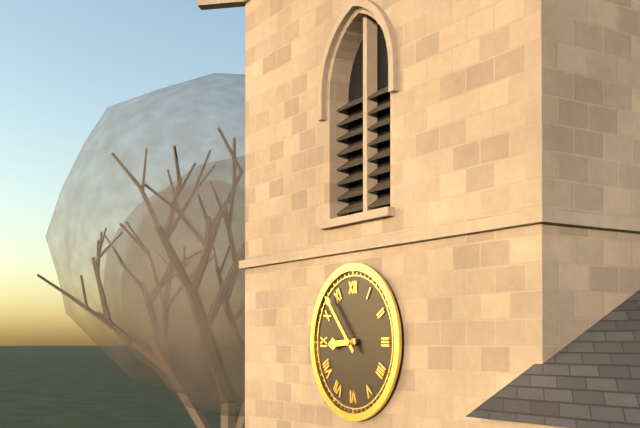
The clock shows 8:53
